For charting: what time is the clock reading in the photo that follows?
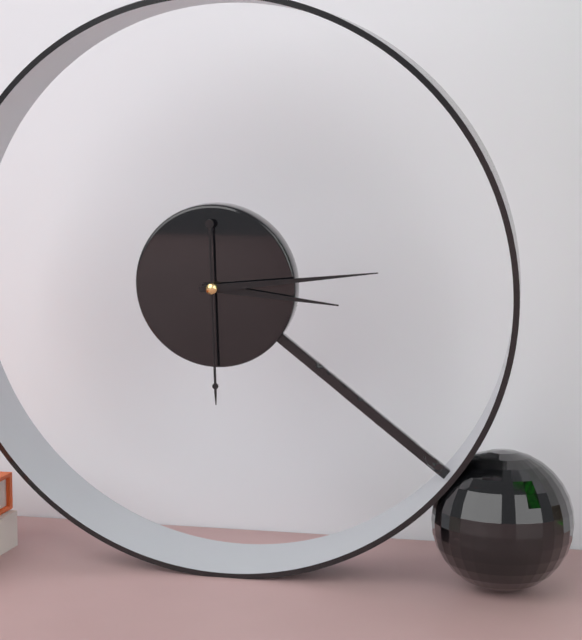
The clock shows 3:14:30
